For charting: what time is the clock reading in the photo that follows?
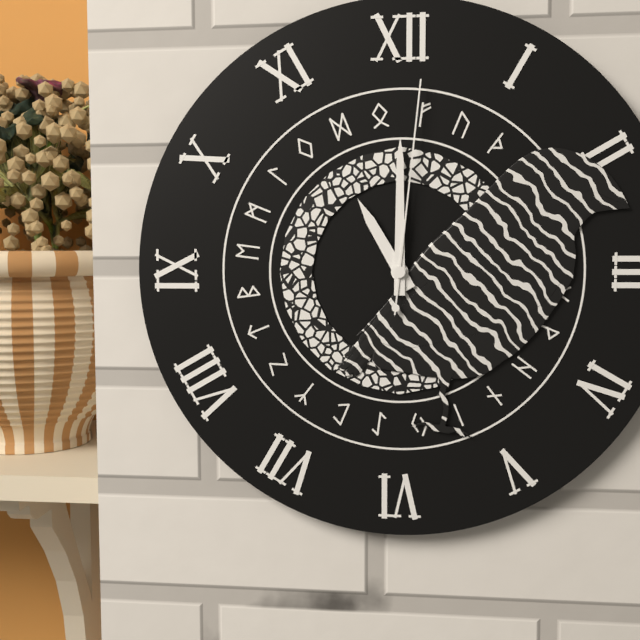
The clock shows 11:00:01
